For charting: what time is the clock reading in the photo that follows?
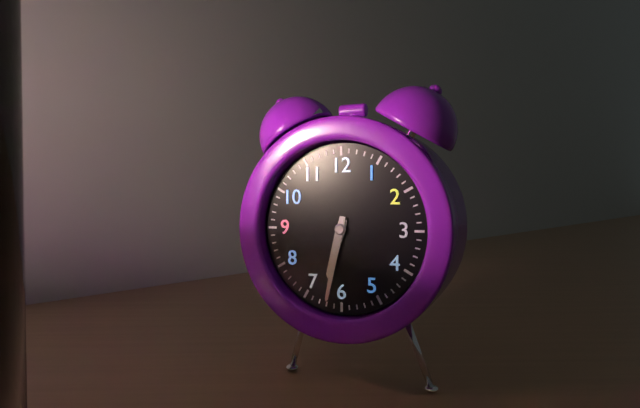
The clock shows 6:32
